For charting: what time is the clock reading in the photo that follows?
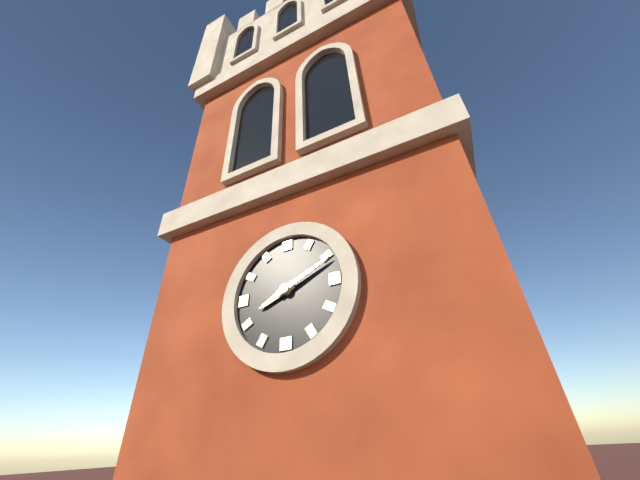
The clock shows 8:11
